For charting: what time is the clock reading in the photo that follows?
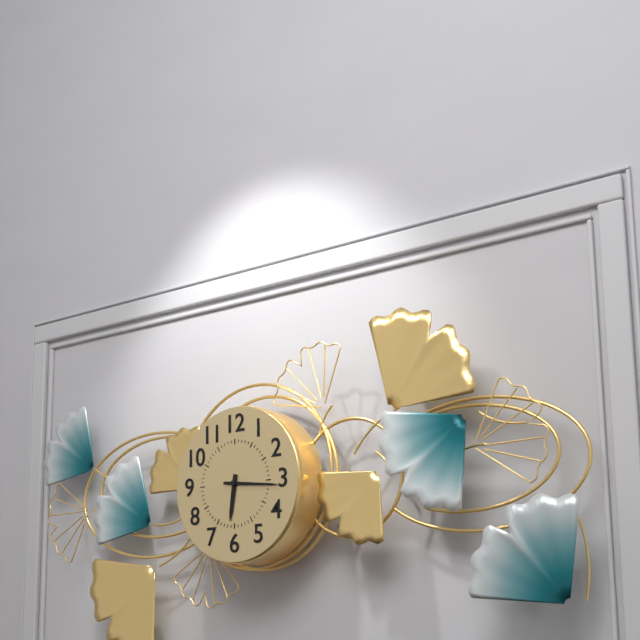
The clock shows 6:16
